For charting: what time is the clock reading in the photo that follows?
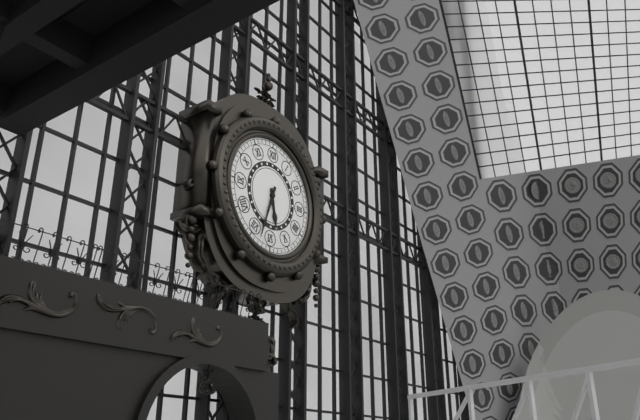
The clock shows 5:33
